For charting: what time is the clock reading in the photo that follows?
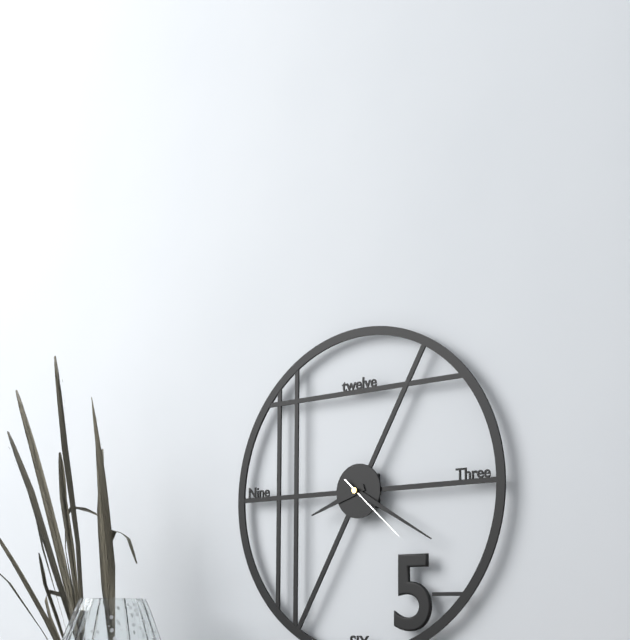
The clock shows 8:20:22
